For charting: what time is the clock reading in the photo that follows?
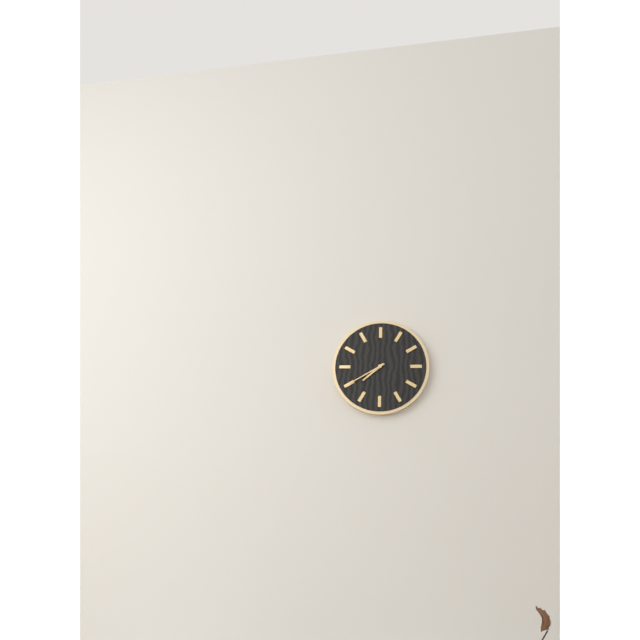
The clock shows 7:40
